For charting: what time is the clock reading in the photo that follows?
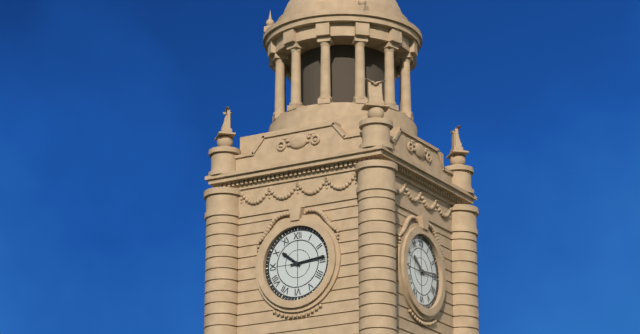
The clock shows 10:14
